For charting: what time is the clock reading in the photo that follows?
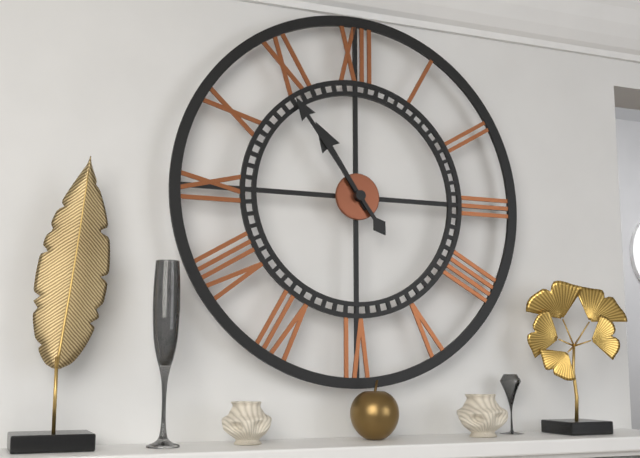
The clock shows 10:54
